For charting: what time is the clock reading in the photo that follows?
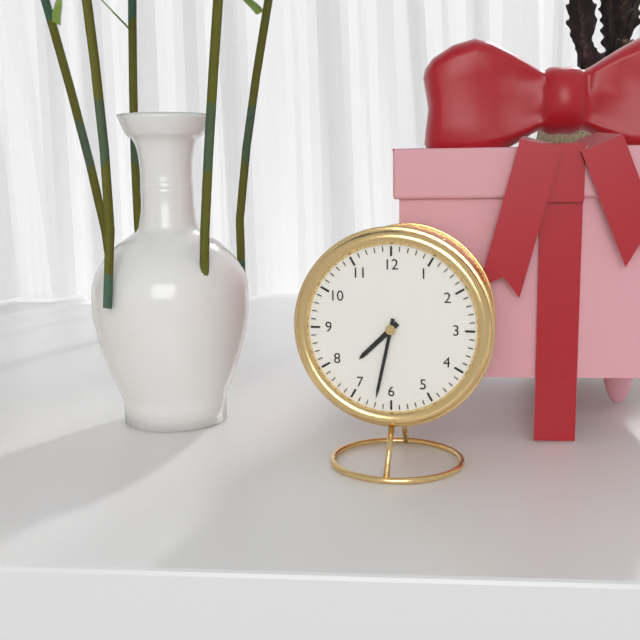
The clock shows 7:32
